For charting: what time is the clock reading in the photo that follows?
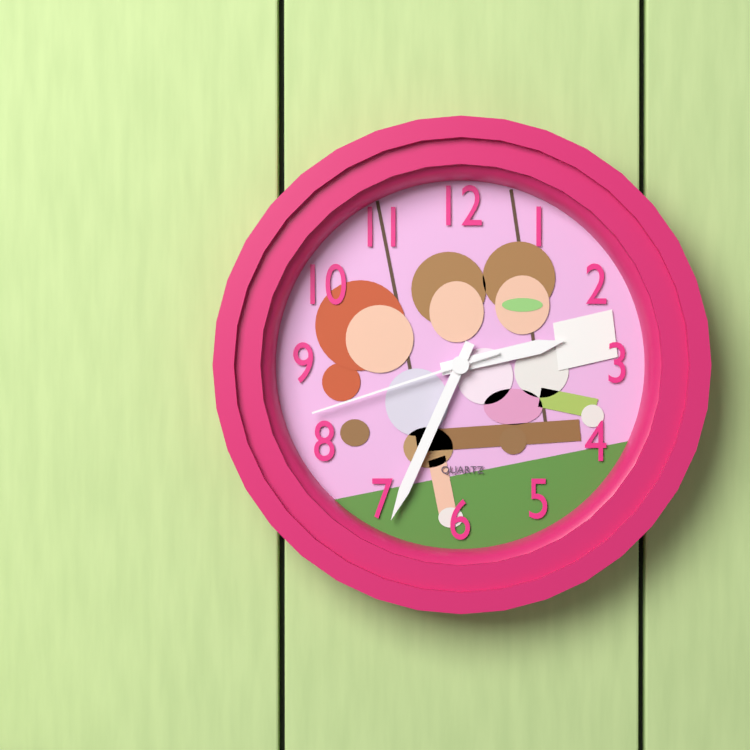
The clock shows 2:34:42
